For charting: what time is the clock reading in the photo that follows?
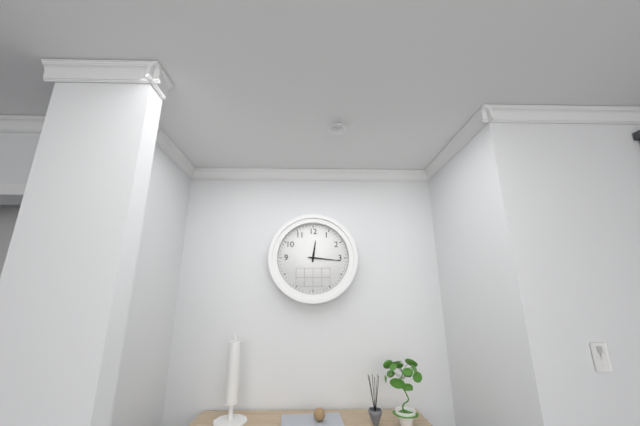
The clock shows 12:16
